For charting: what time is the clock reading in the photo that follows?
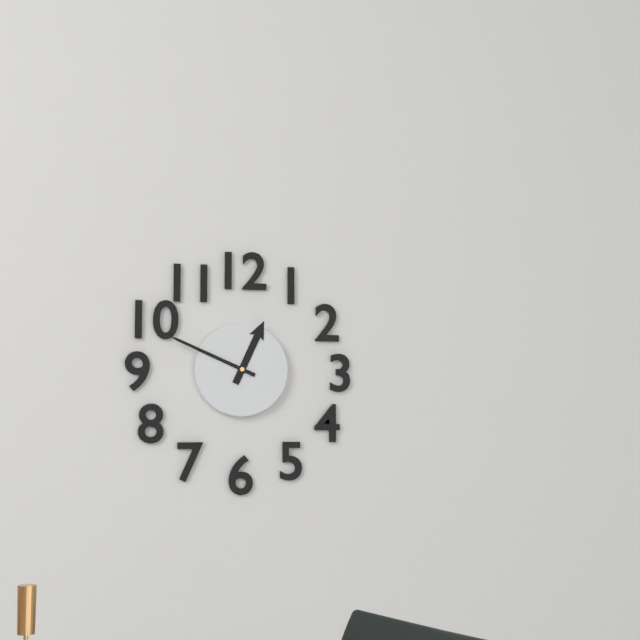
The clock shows 12:49
